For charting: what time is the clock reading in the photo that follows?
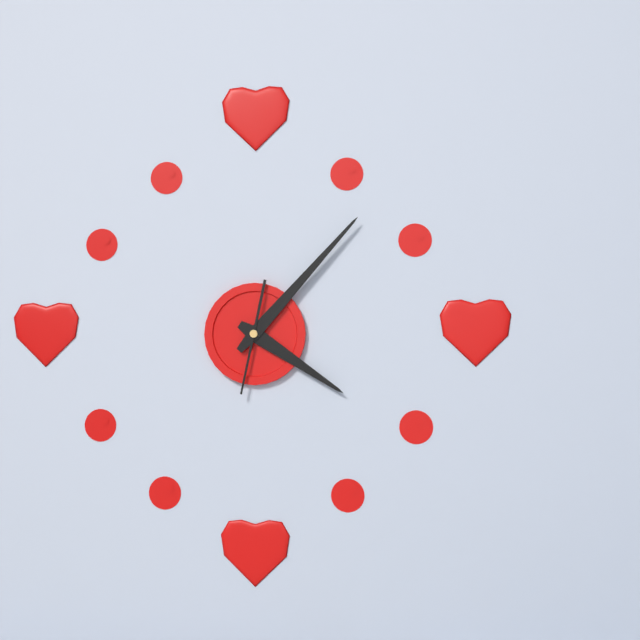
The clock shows 4:07:32
